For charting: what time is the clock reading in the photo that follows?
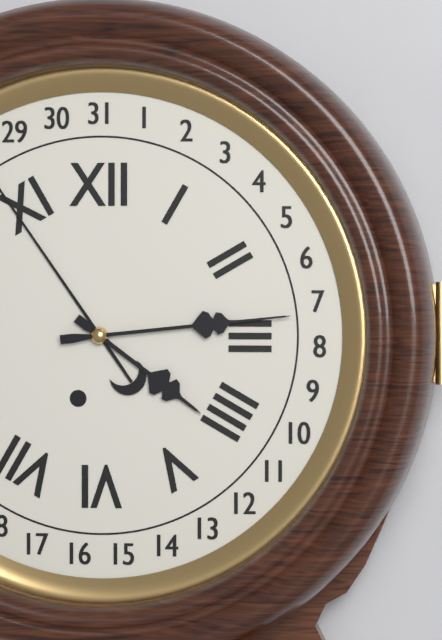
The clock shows 4:14
